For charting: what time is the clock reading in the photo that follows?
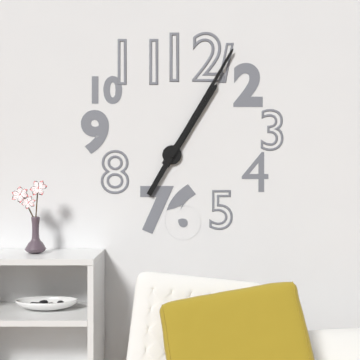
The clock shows 1:05
